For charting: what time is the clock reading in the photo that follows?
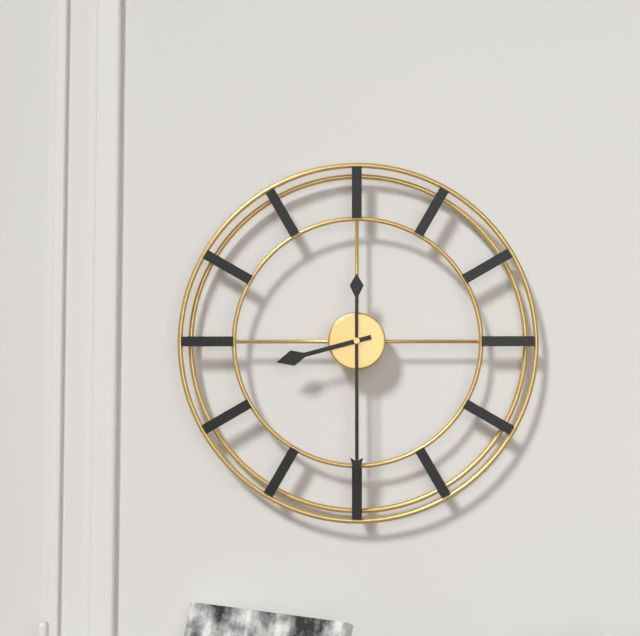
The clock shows 8:30
